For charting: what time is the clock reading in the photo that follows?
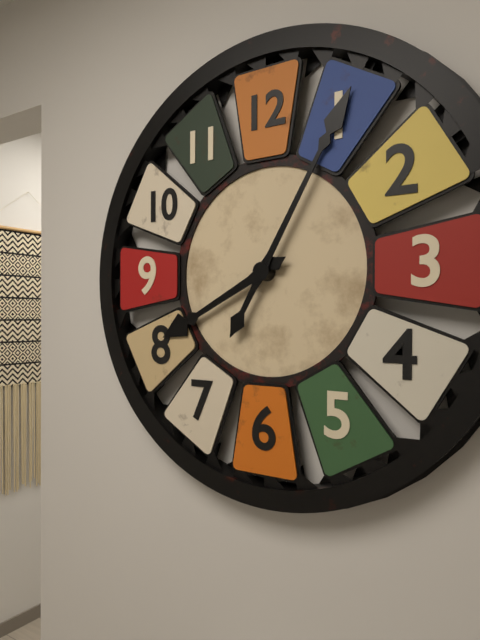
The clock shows 8:05
